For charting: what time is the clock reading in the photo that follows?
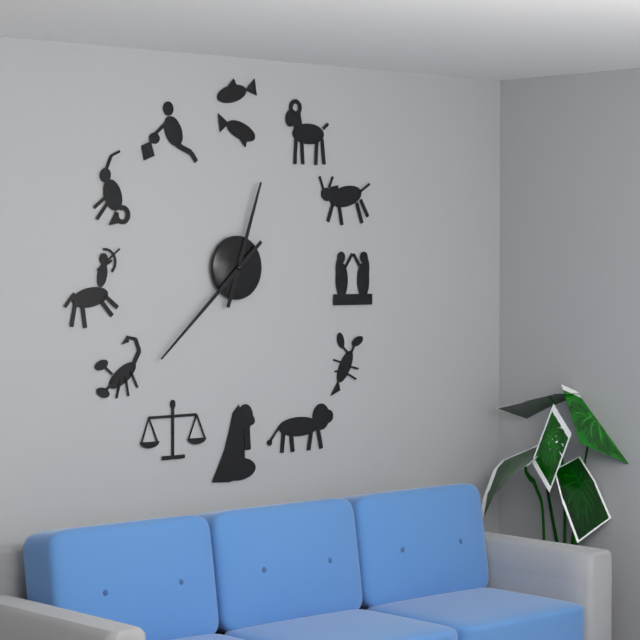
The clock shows 12:38
